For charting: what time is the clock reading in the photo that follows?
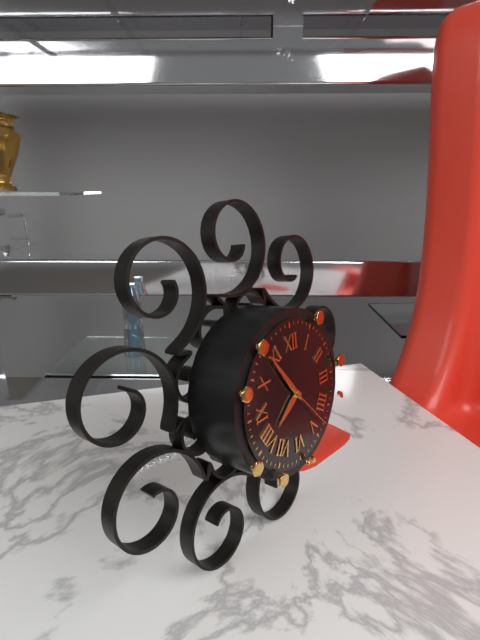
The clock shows 7:54
